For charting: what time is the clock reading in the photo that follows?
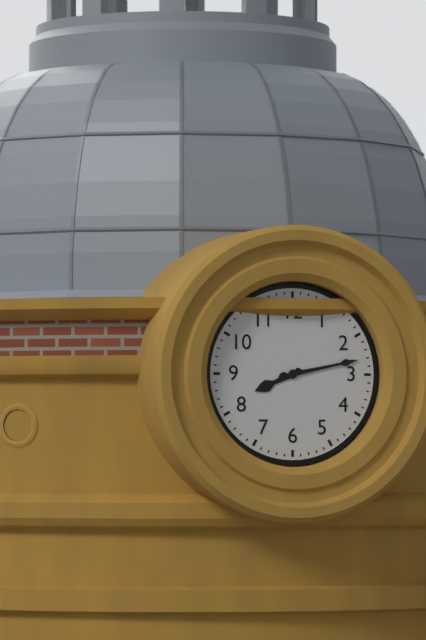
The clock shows 8:13
